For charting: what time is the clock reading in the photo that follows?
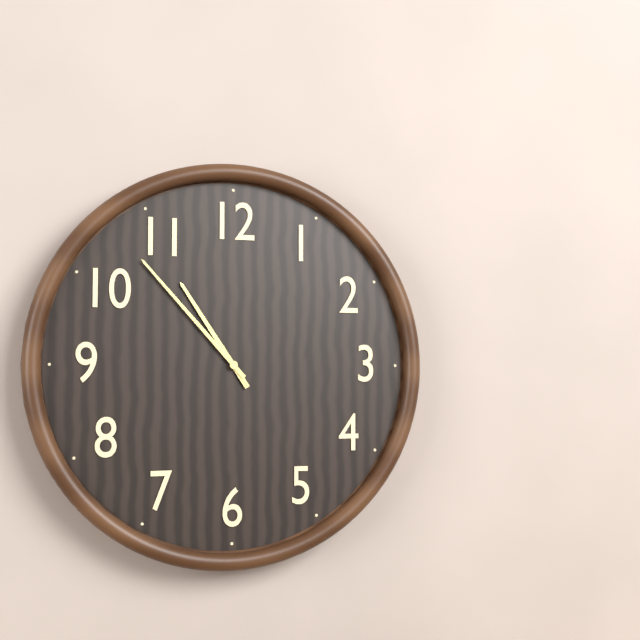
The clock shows 10:53
